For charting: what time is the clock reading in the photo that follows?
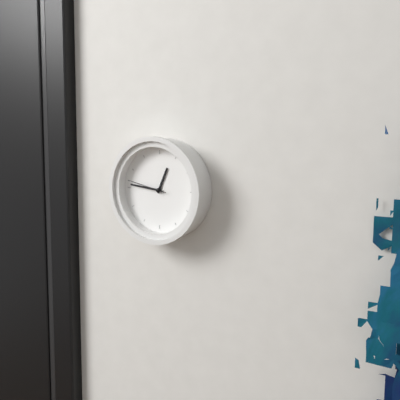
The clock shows 12:46
